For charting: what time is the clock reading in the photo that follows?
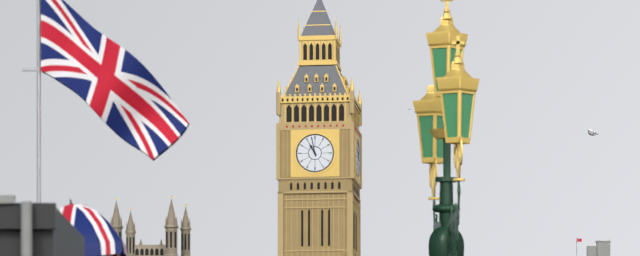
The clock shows 10:58
